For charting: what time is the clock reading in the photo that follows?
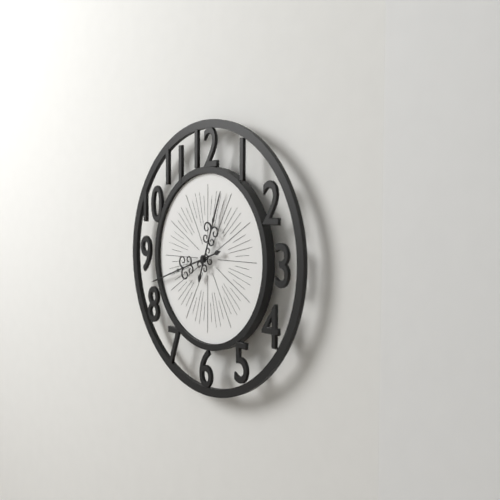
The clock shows 12:42
